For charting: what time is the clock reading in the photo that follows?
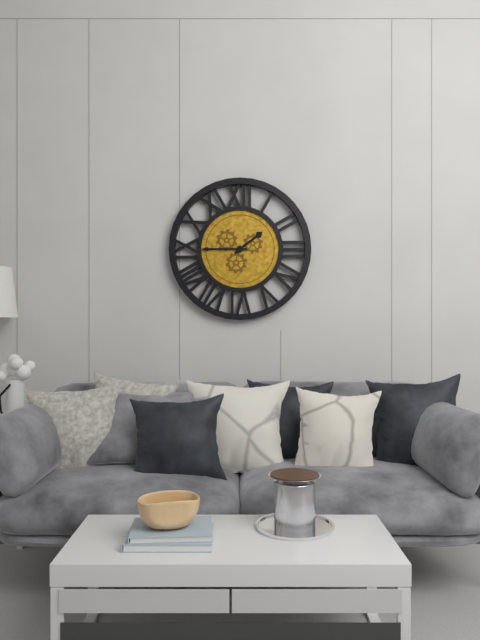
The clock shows 1:45
